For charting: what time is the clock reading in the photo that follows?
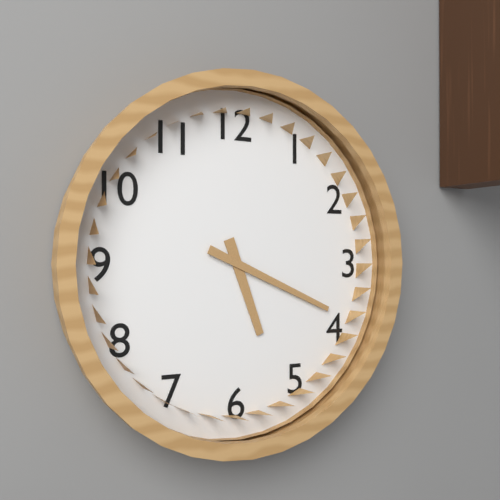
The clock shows 5:19
